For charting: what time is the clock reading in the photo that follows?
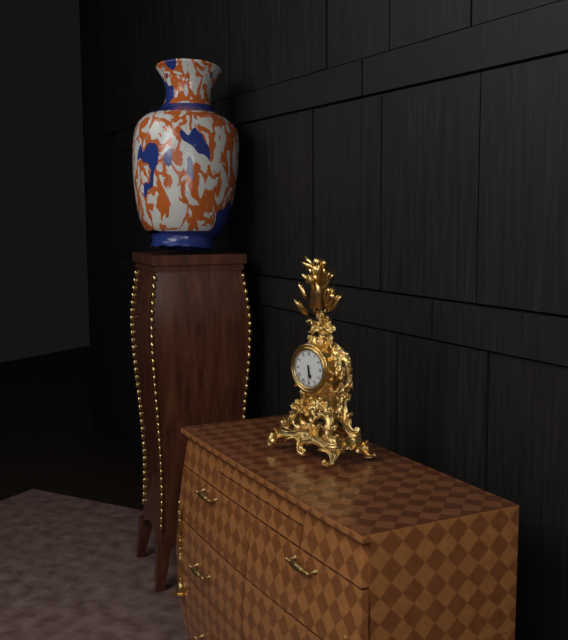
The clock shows 5:30
